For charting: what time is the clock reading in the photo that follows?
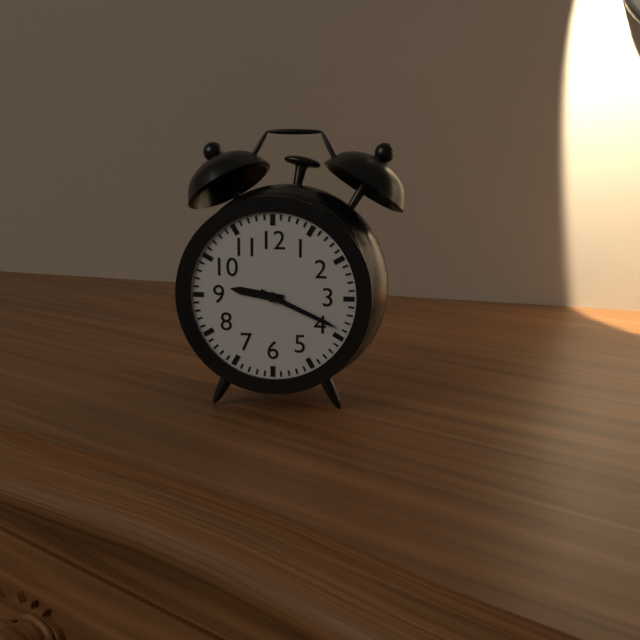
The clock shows 9:19
